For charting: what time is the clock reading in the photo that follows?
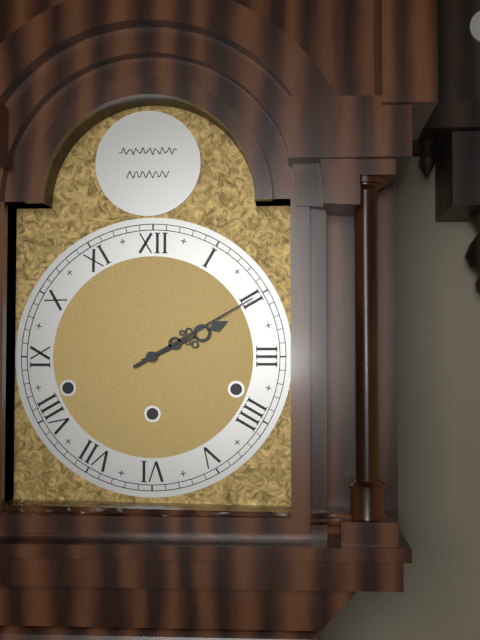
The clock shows 2:10
